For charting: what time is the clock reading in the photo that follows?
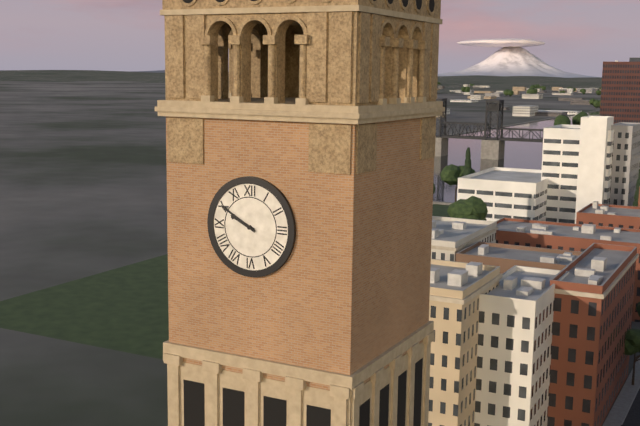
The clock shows 9:50
